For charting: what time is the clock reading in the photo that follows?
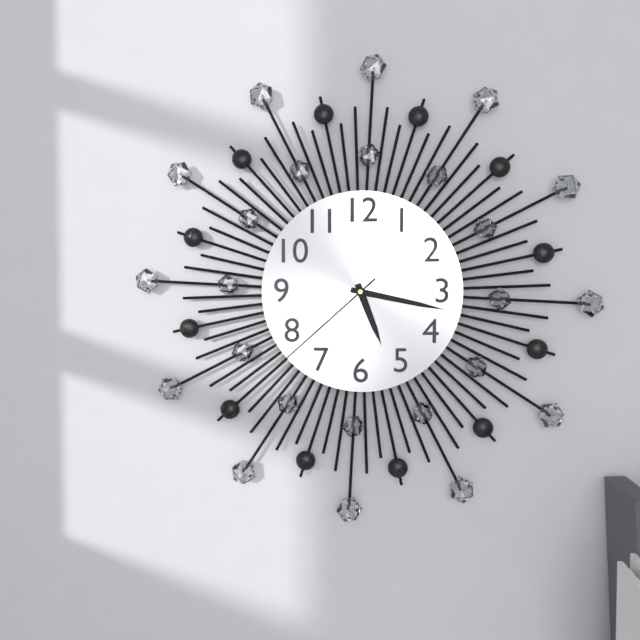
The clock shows 5:17:38
